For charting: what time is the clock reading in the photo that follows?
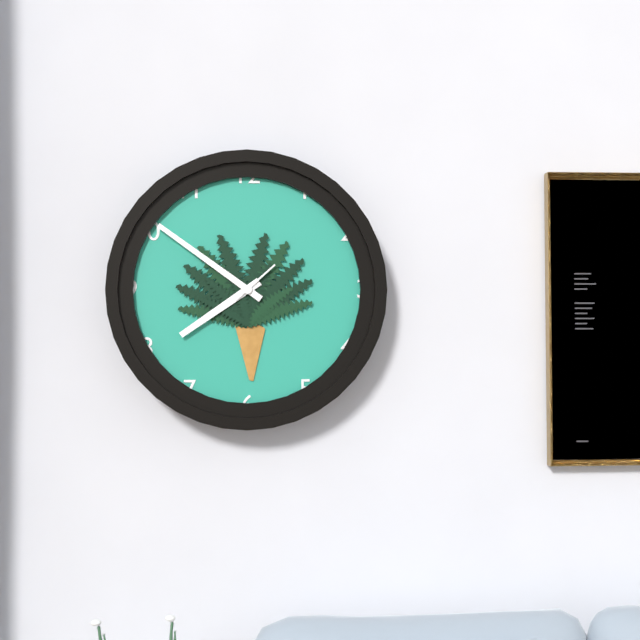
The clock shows 7:51
